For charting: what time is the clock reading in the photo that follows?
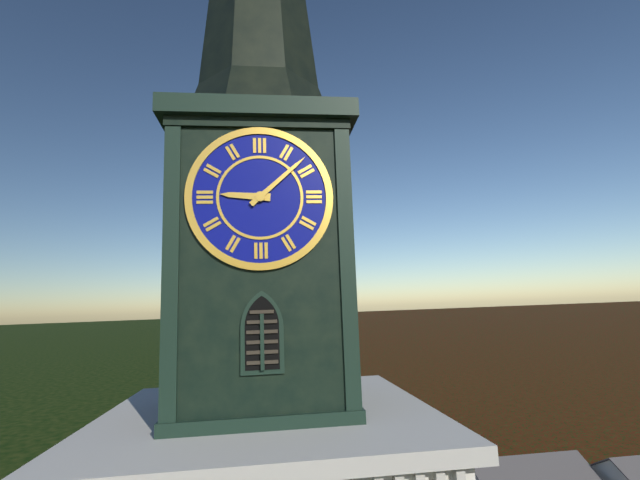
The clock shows 9:08
